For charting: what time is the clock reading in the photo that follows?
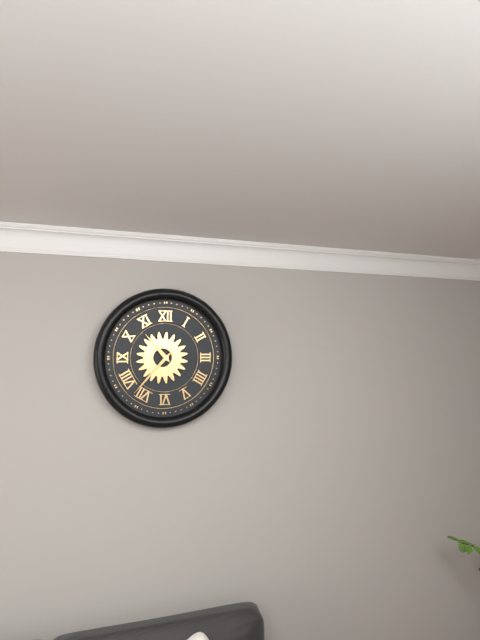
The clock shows 10:37
